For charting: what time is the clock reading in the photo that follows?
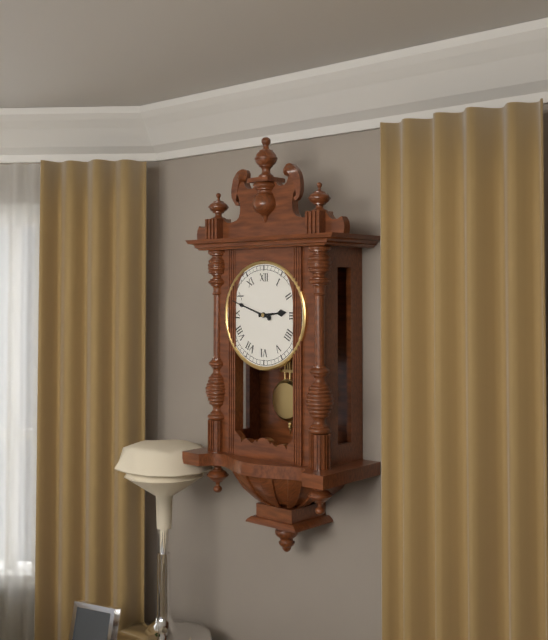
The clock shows 2:48
